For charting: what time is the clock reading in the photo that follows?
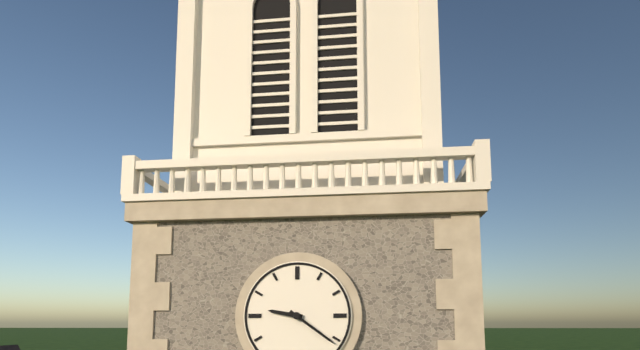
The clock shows 9:21
